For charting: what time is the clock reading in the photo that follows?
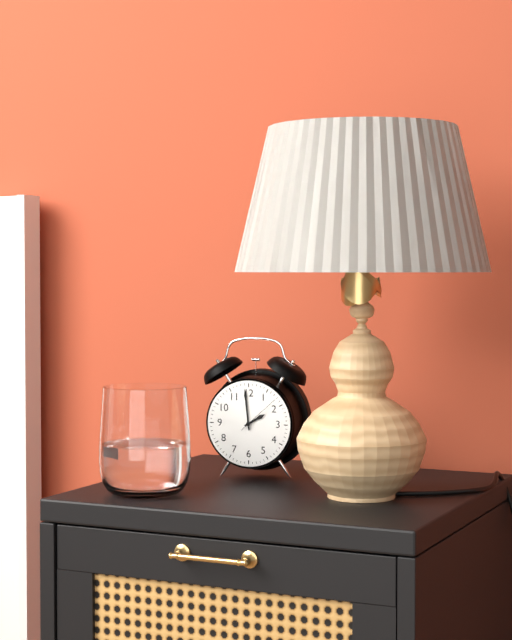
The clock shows 1:59
